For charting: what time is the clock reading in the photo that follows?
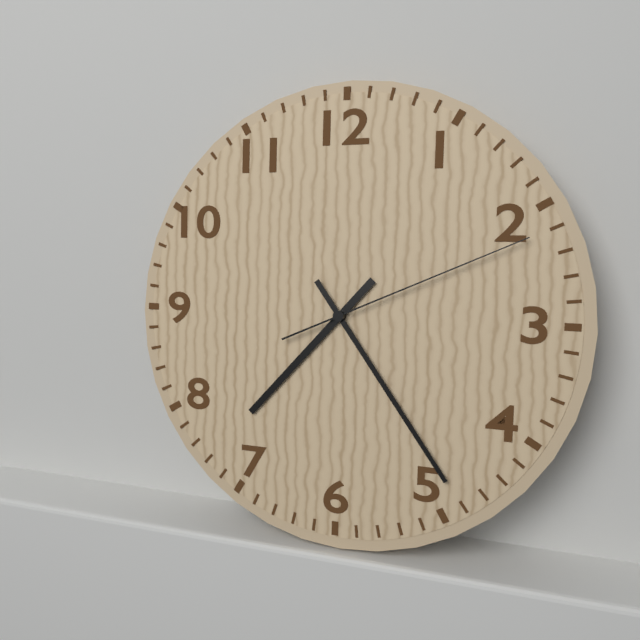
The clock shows 7:24:11
